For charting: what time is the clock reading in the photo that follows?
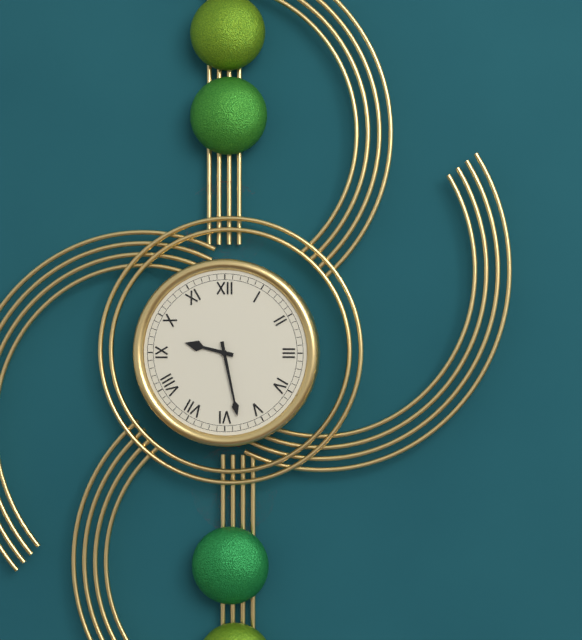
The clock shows 9:28
